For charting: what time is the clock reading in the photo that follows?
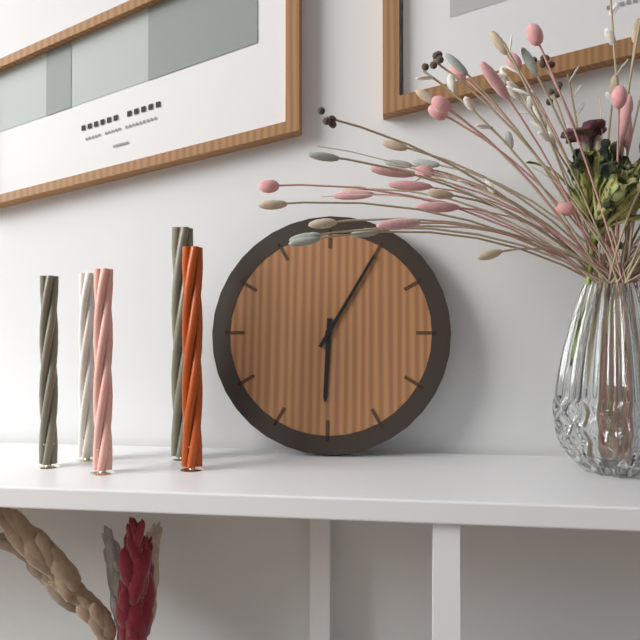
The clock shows 6:05
